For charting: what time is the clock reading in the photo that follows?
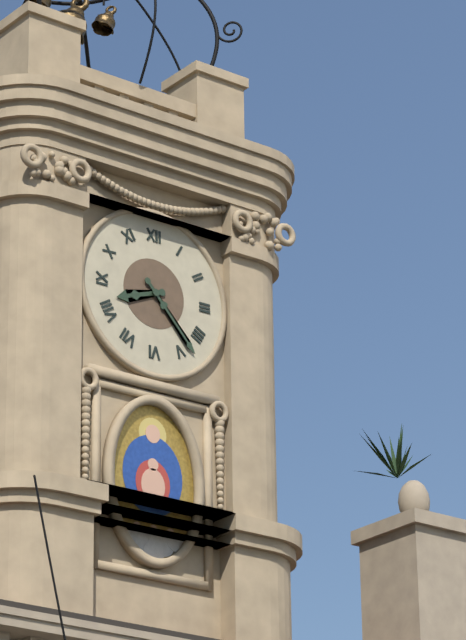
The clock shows 8:23
